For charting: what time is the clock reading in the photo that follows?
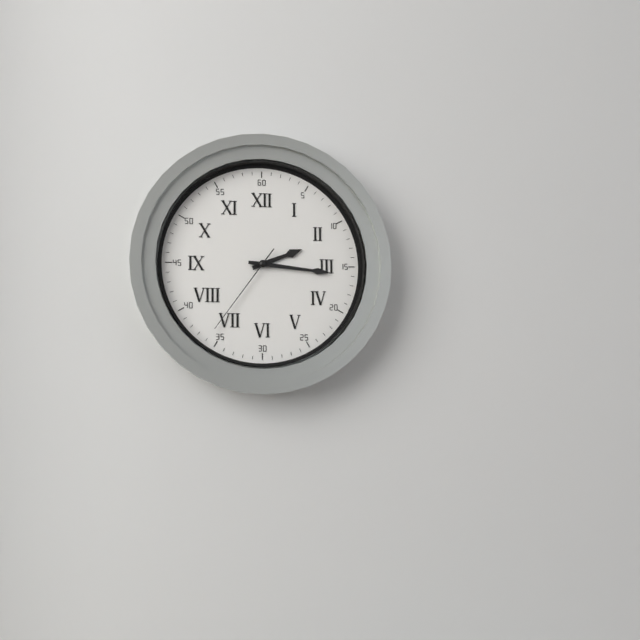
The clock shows 2:16:36
